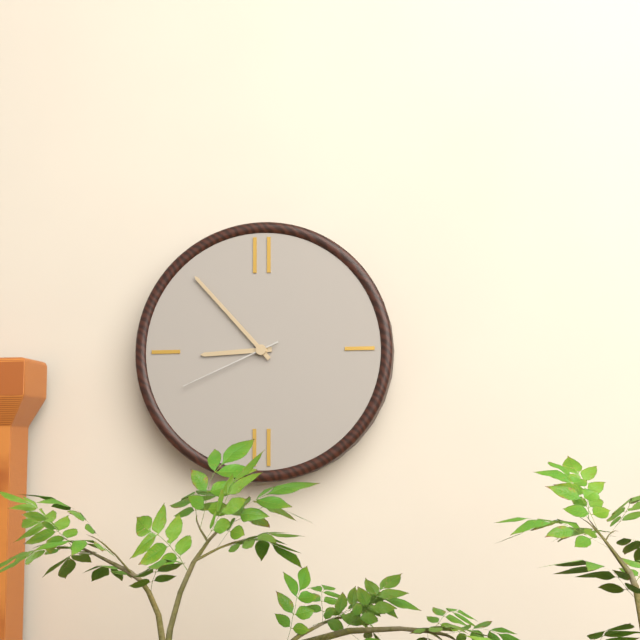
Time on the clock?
8:53:41
